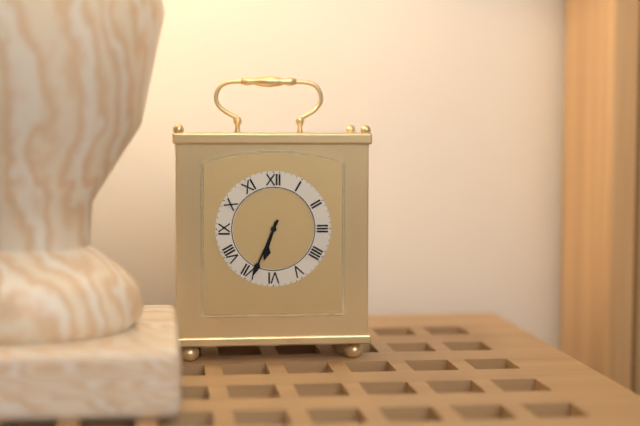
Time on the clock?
6:34
